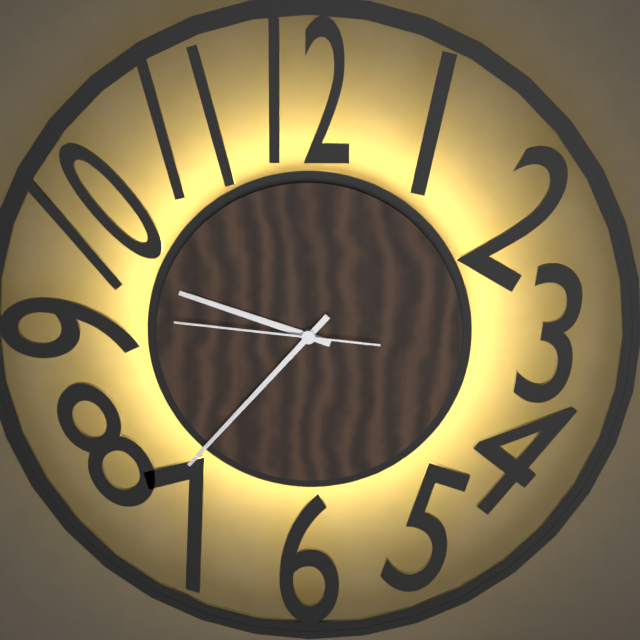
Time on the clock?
9:37:46
